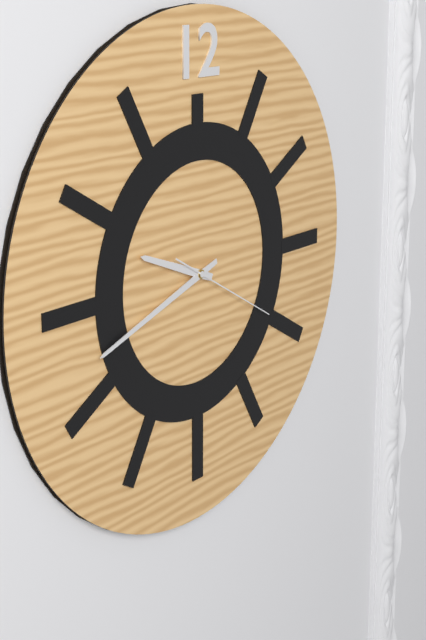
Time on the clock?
9:42:20
